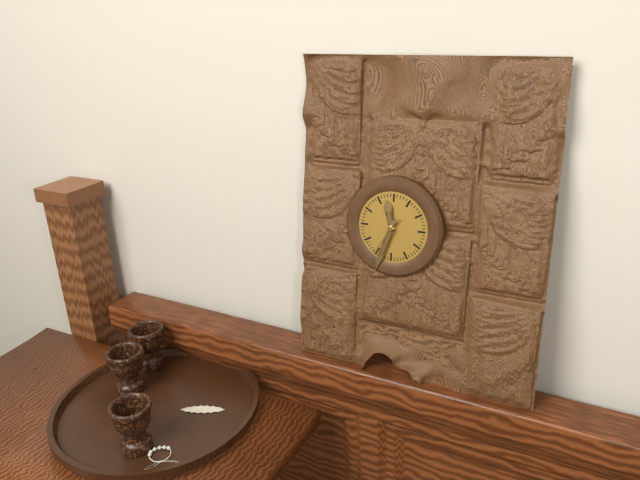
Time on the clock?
11:33:35
